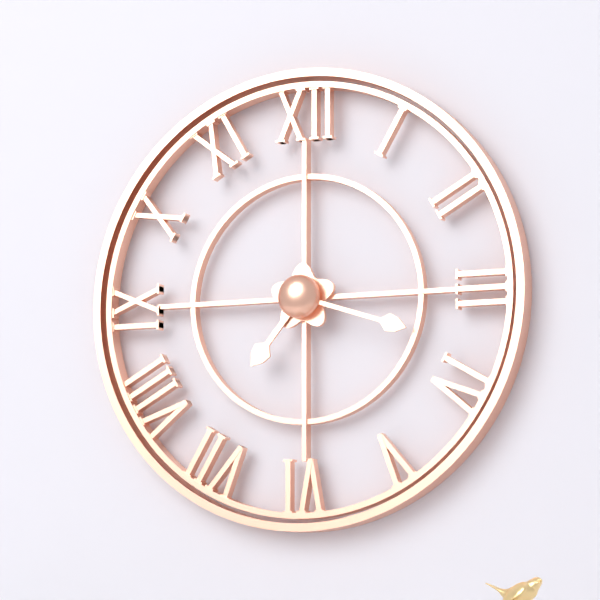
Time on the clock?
7:18
